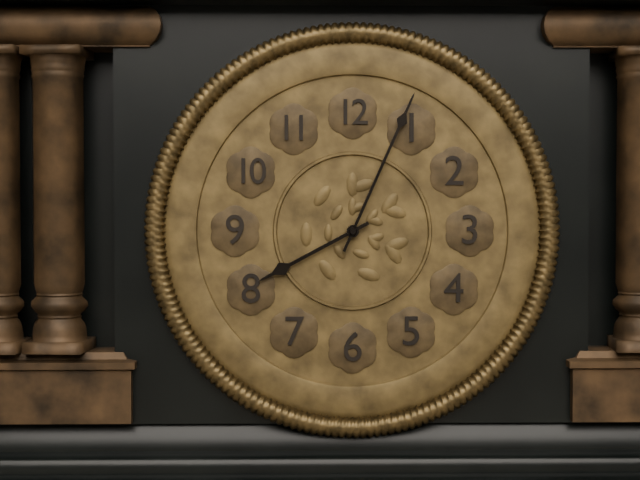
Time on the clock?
8:04
